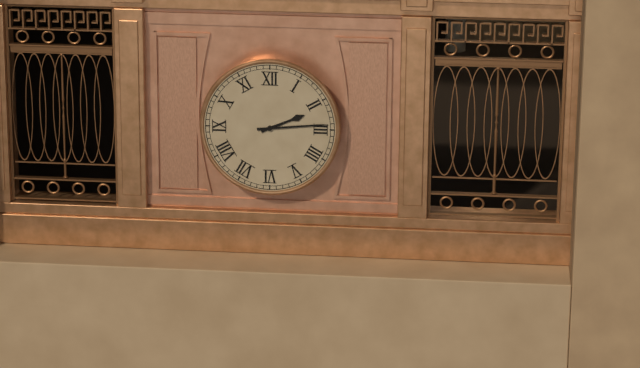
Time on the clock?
2:14
